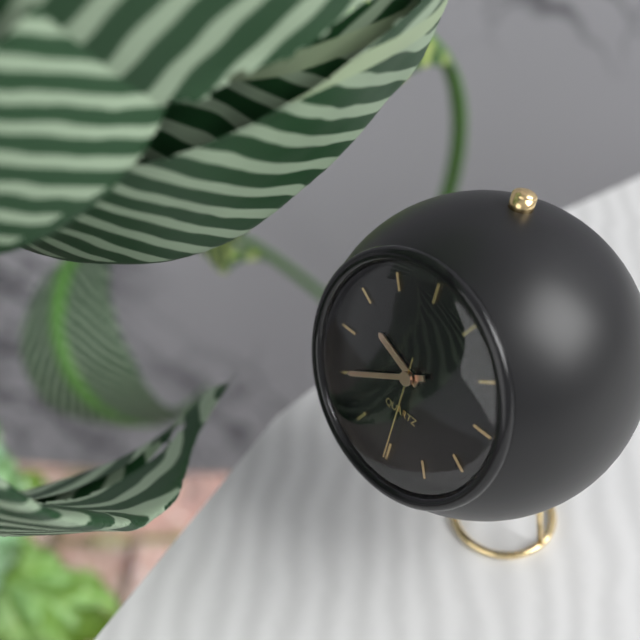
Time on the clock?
9:40:30
